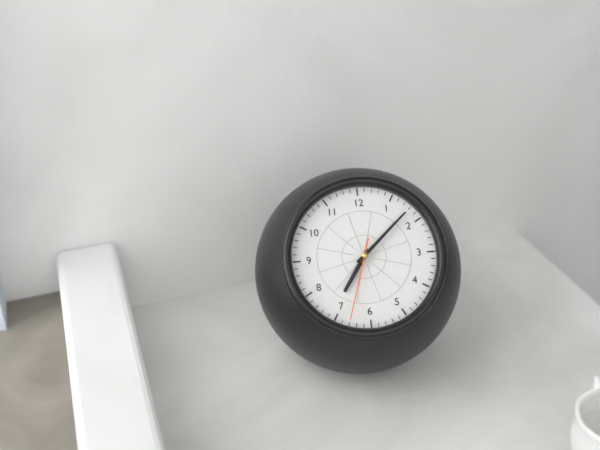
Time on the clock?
7:08:33
